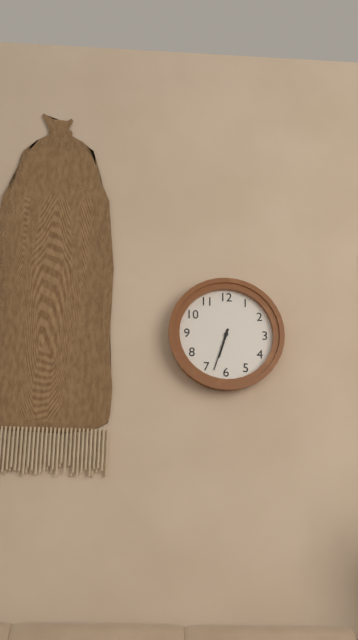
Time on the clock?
6:33
